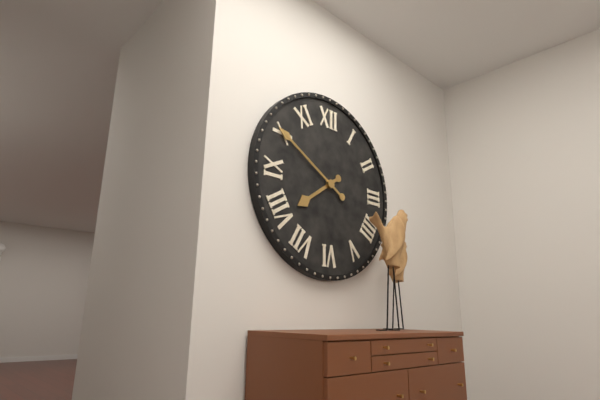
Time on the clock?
7:50
